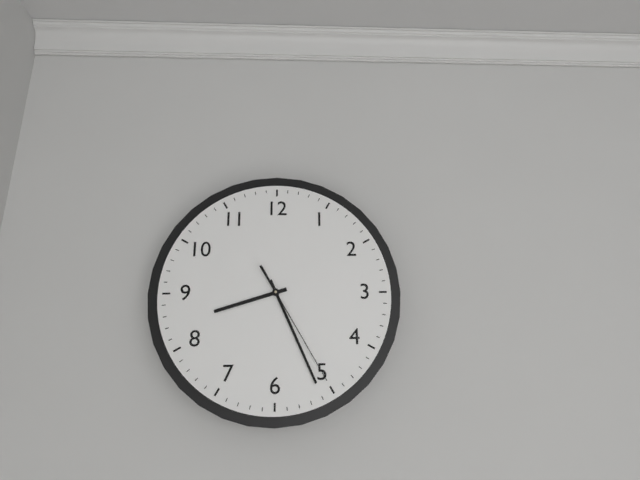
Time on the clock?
8:26:25
